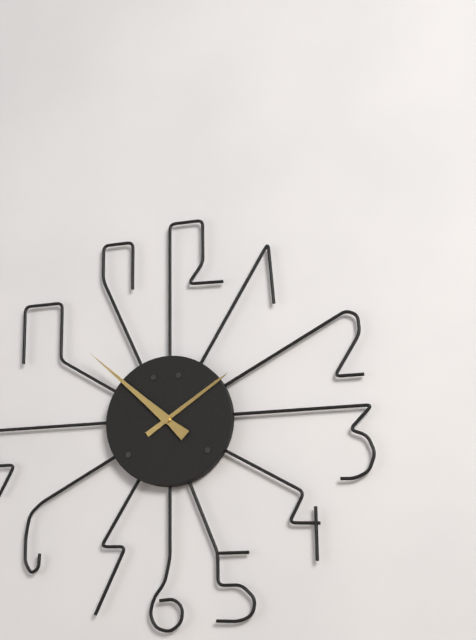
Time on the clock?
1:52
